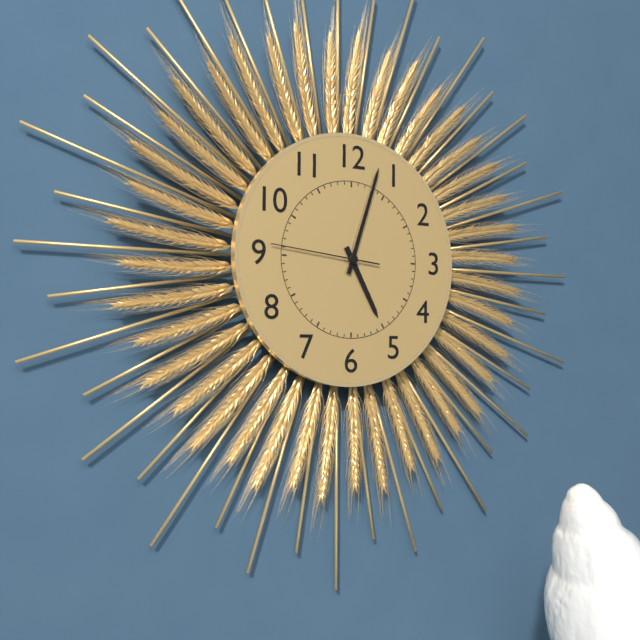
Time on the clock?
5:03:46
